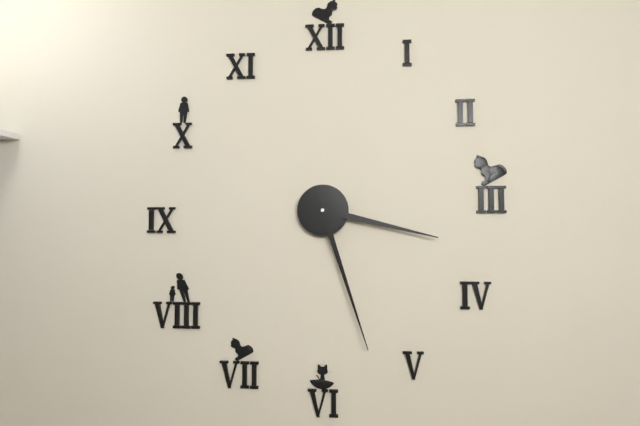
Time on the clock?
3:27
